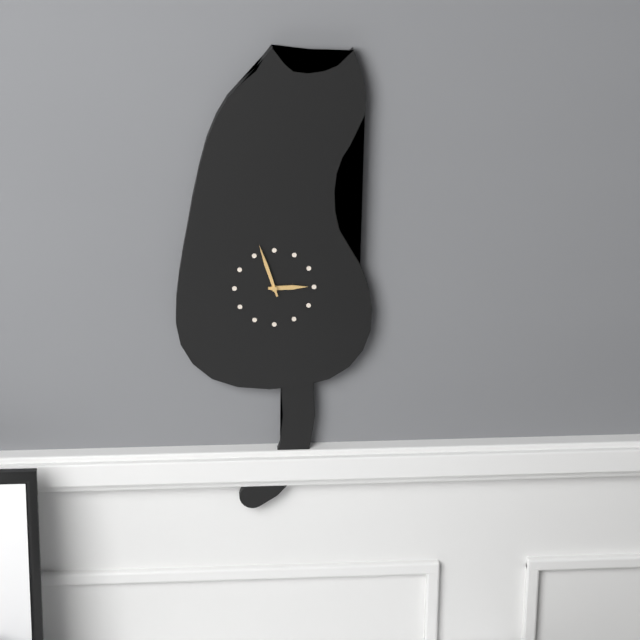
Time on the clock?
2:57
